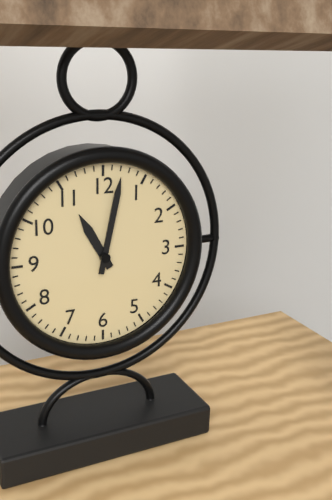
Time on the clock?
11:02
